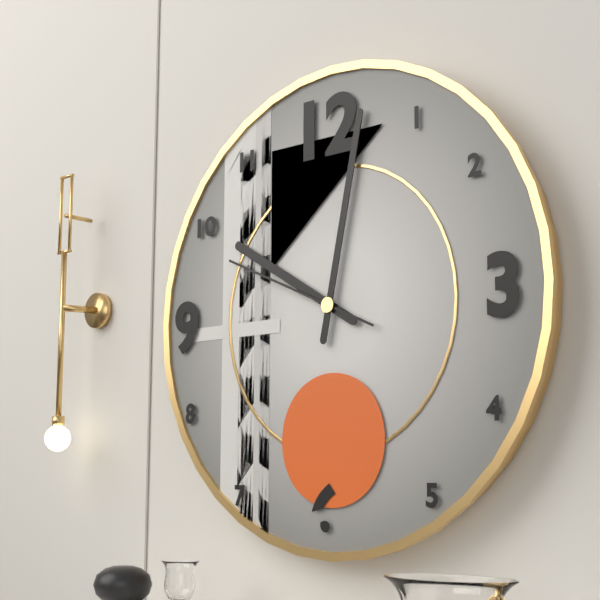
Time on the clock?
10:02:49
